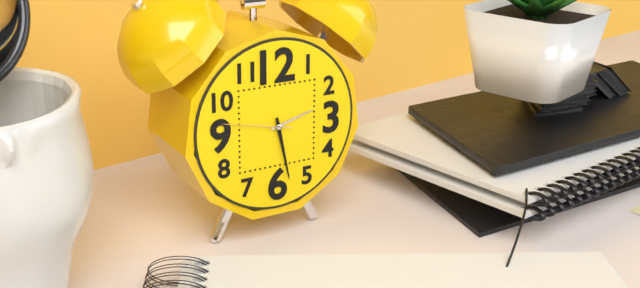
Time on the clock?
2:28:47
